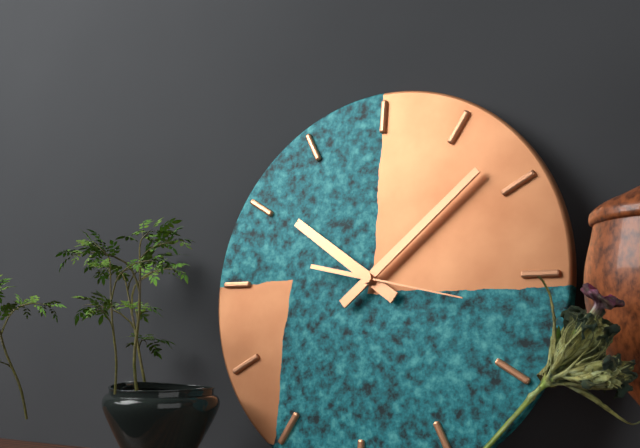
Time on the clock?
10:08:17
